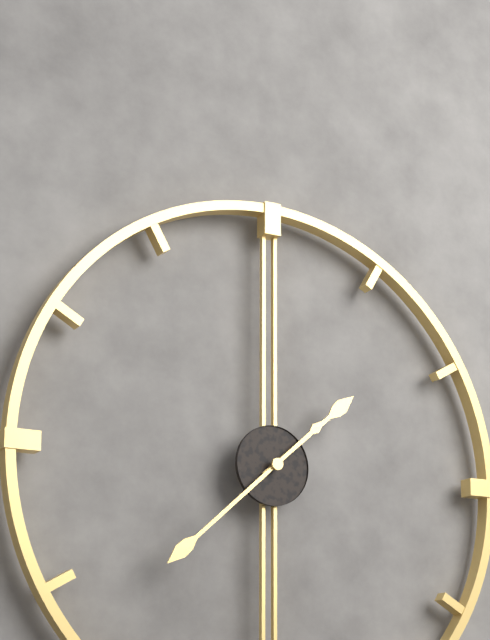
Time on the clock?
1:38
